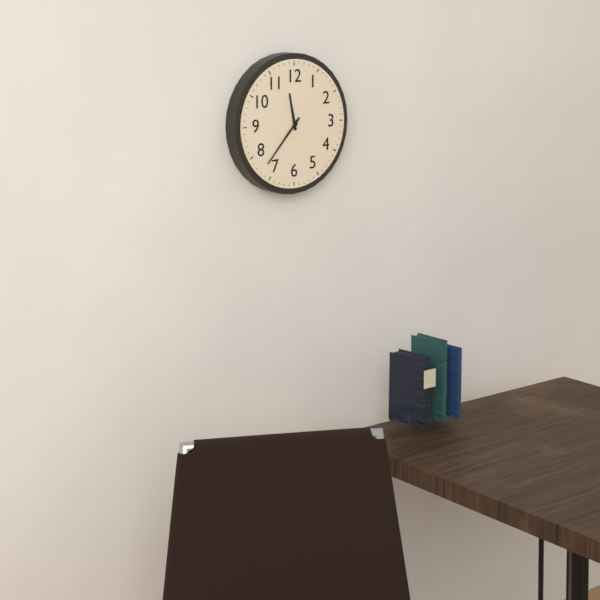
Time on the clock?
11:37
